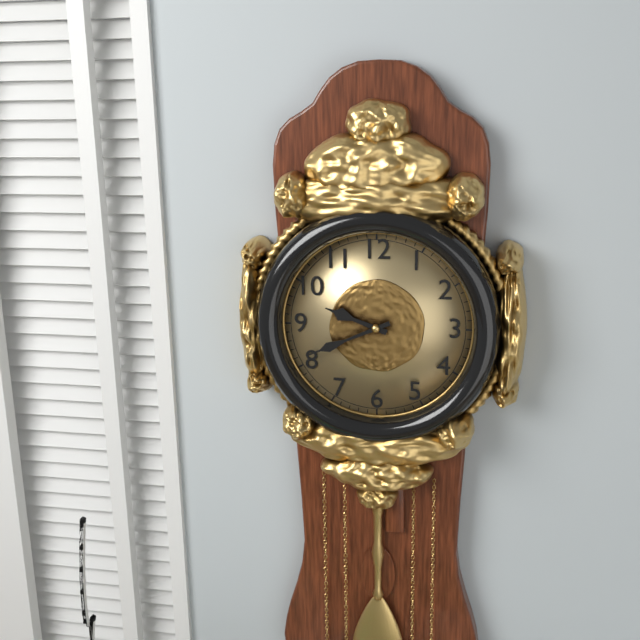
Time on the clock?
9:41
